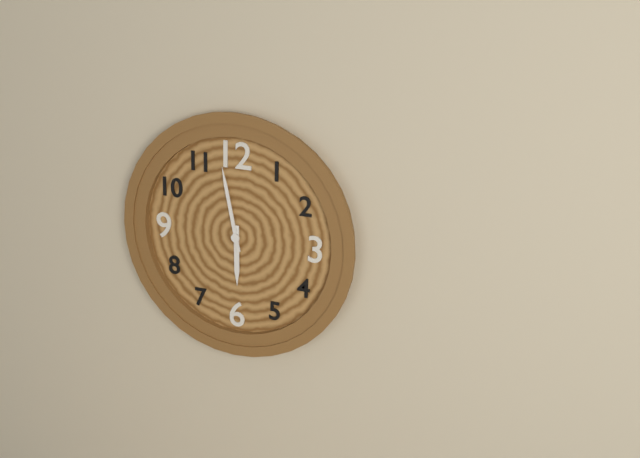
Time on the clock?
5:58
